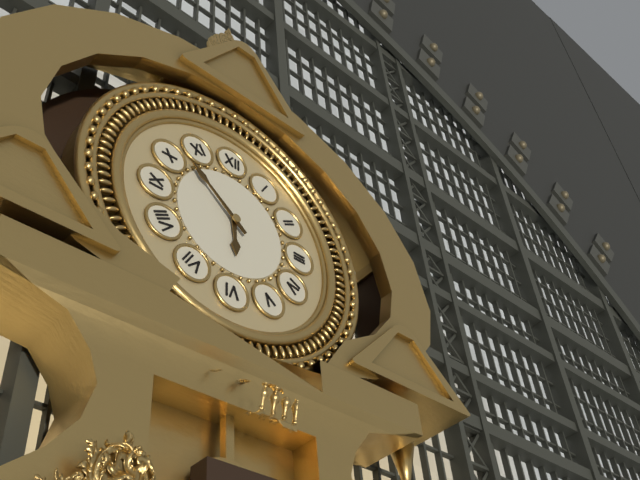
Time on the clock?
5:52
